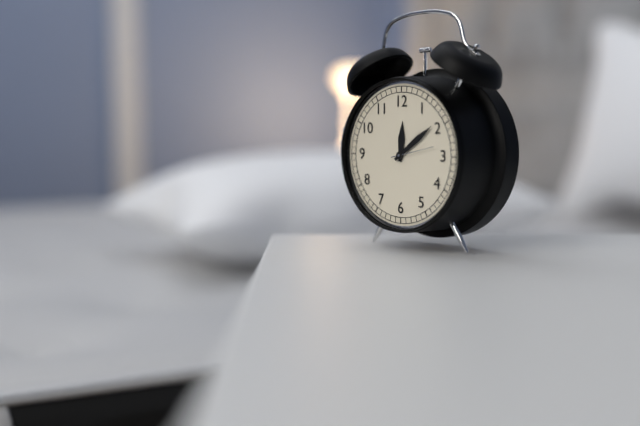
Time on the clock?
12:09
